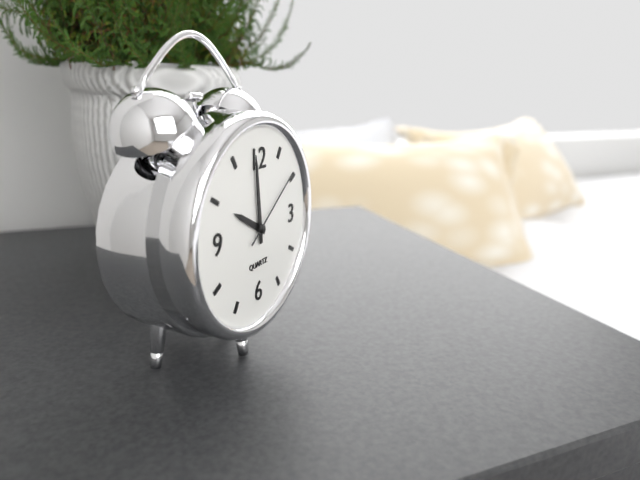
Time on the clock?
9:59:09
